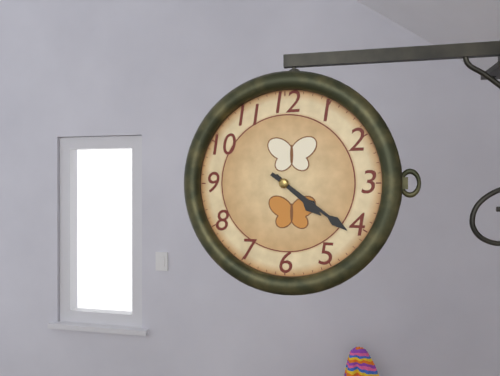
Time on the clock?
4:21
